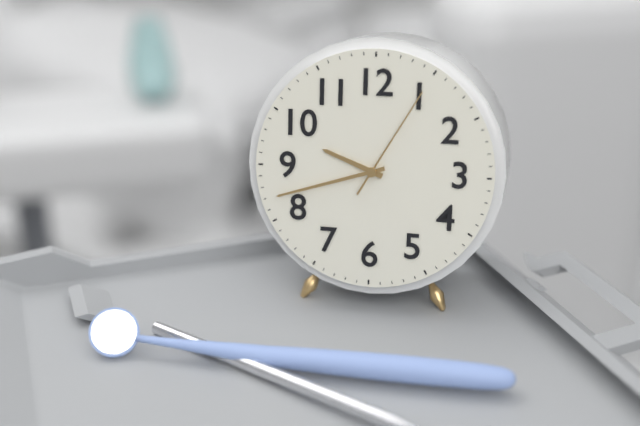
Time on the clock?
9:42:05
